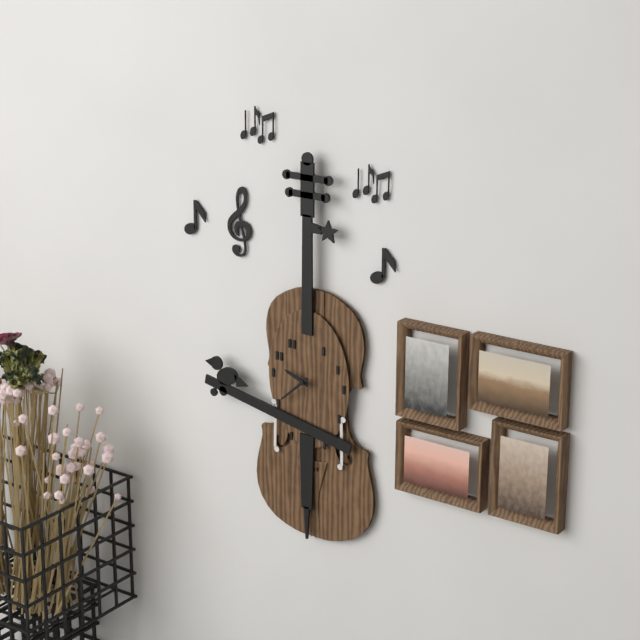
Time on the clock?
9:38
